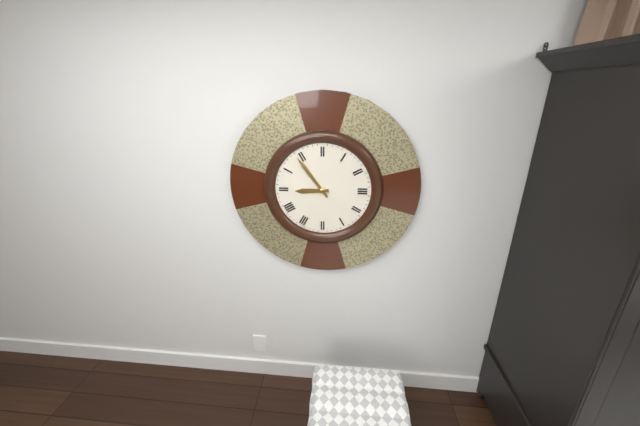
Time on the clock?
8:54
